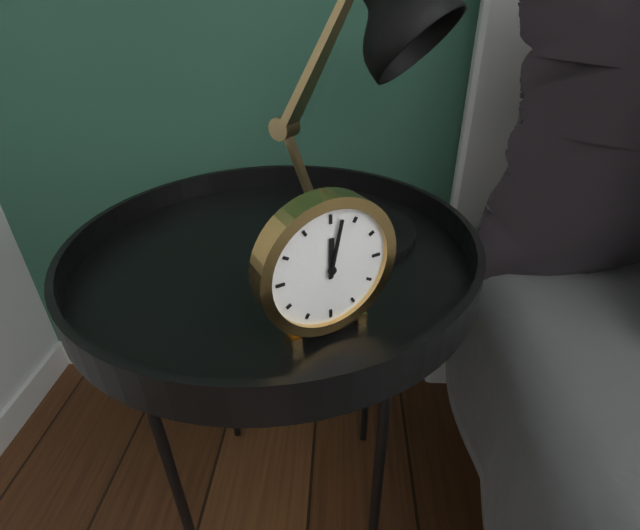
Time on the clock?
12:02
